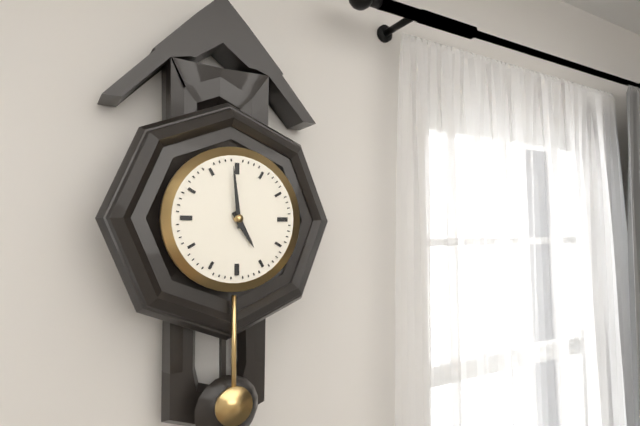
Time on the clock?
4:59
